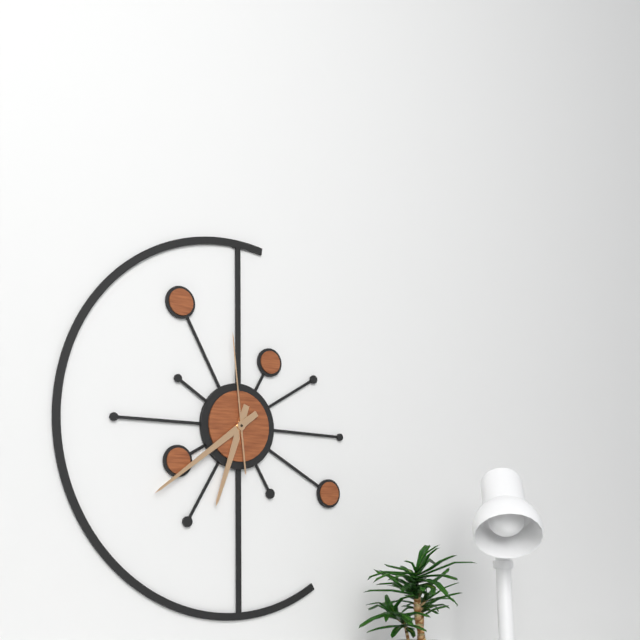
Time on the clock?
6:39:59
